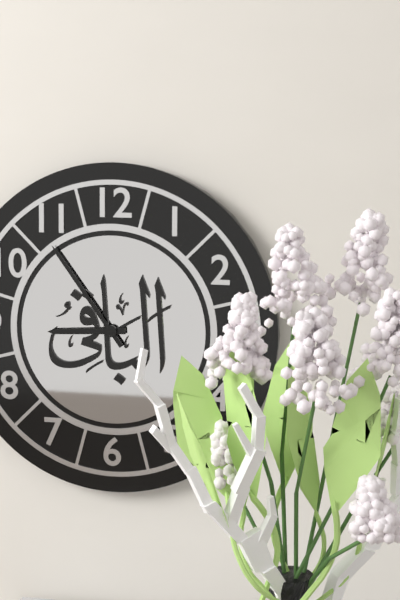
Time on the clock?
8:54
